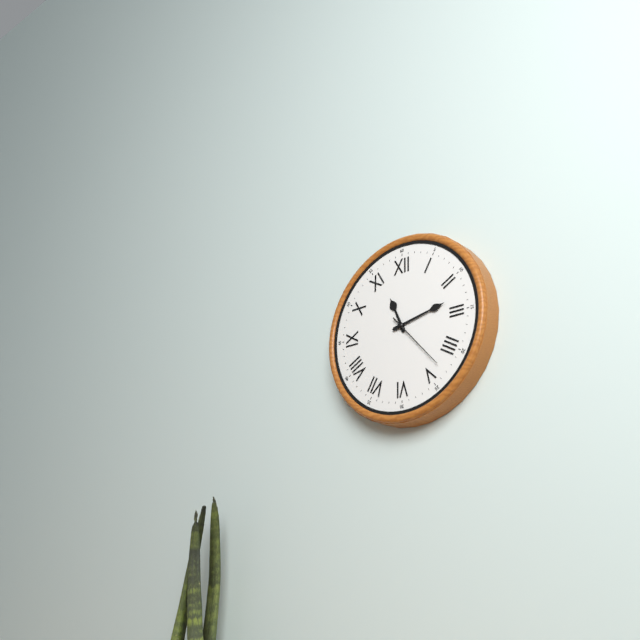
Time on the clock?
11:13:23
